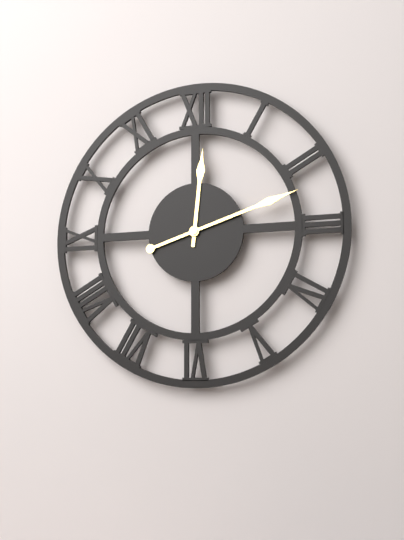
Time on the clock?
12:12
